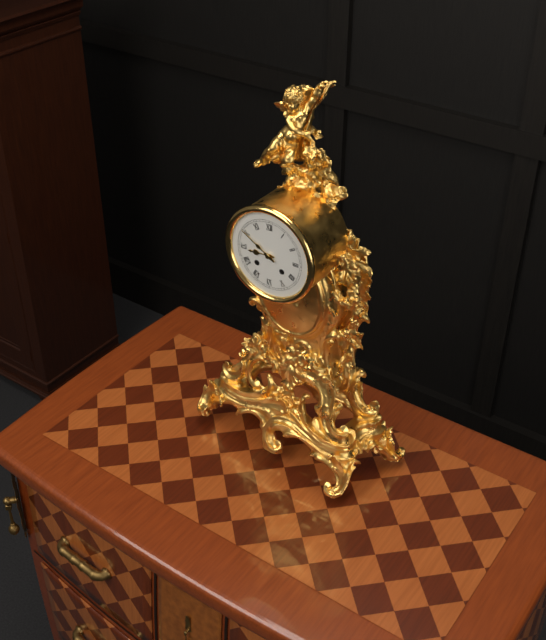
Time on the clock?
8:50
